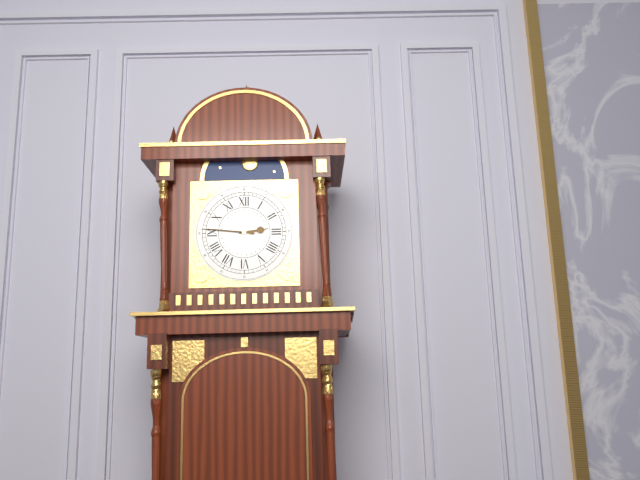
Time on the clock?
2:46
